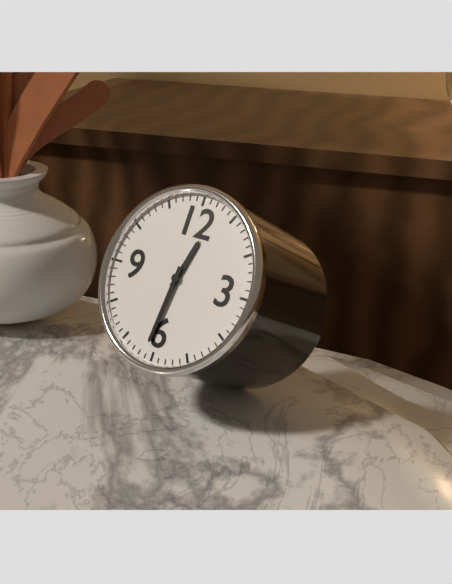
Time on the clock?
12:31
